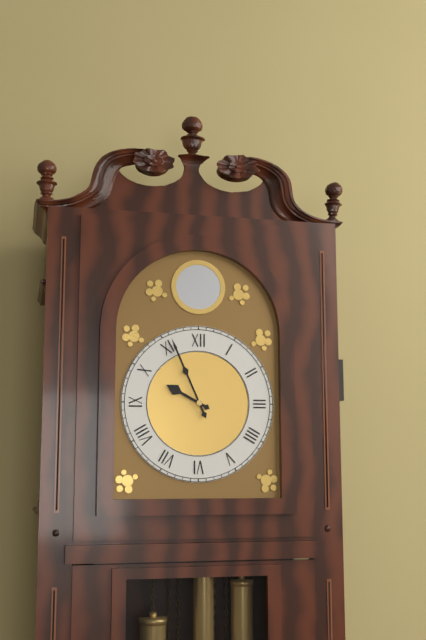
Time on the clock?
9:56
